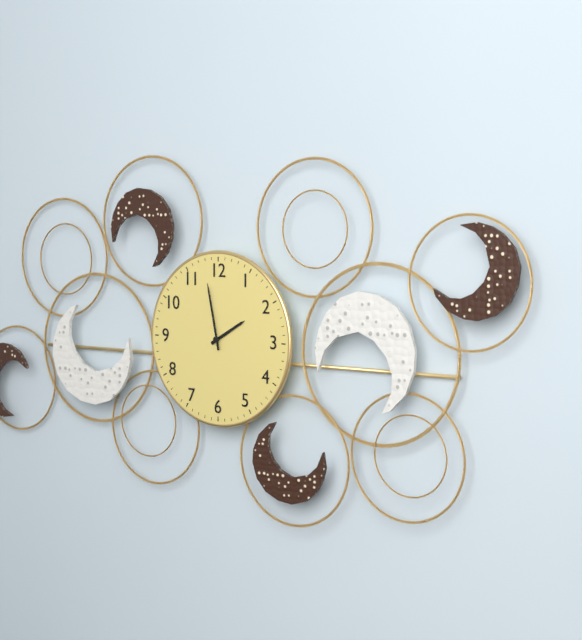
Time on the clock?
1:58
